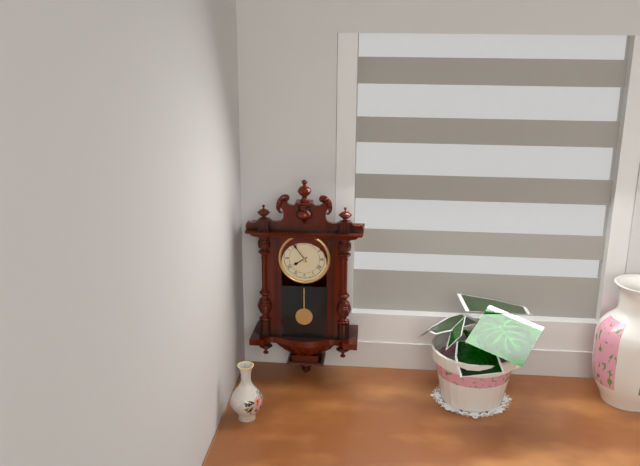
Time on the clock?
7:54
